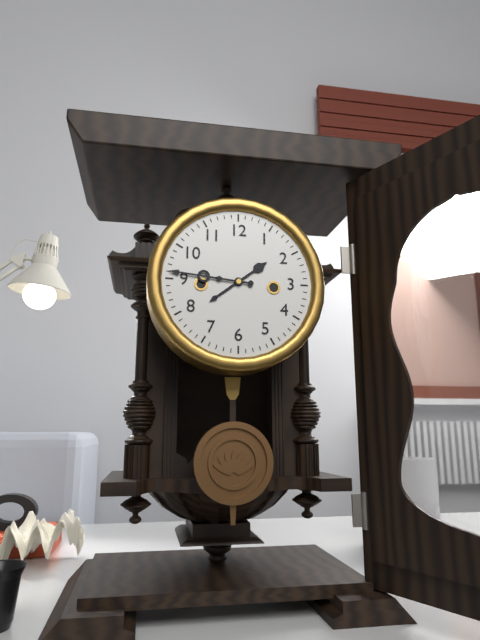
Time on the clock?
1:46
